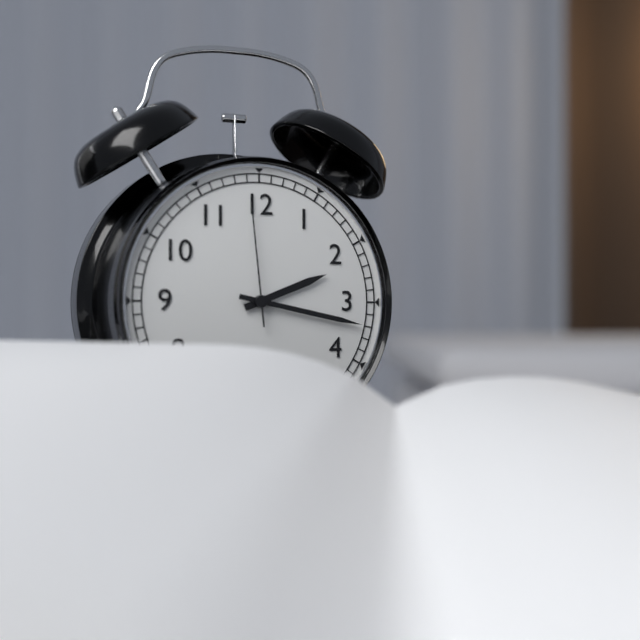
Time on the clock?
2:17:59
